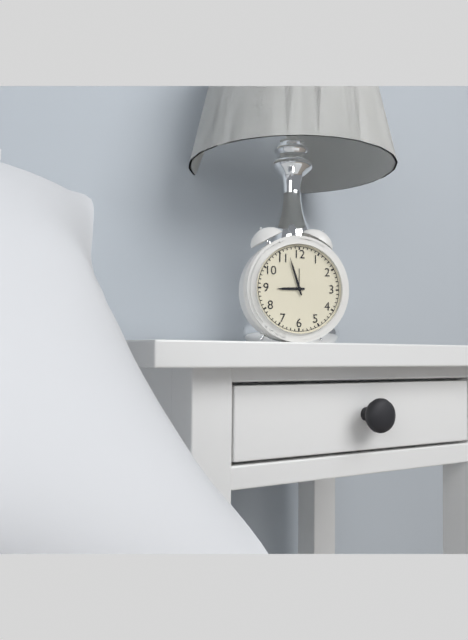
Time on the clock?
8:57
